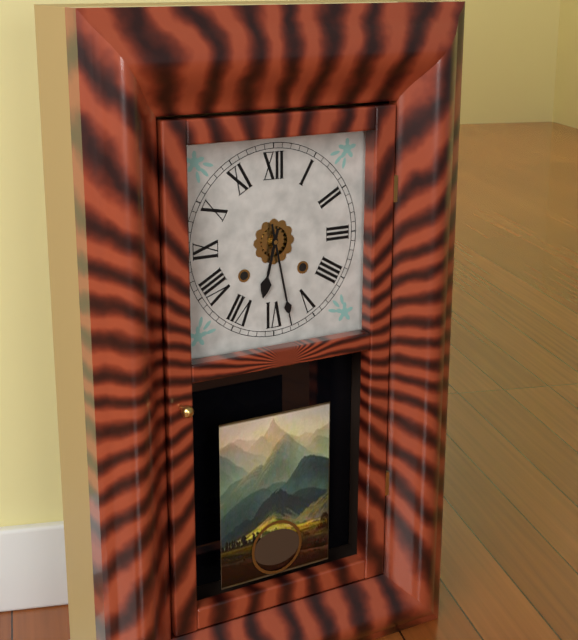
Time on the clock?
6:28
